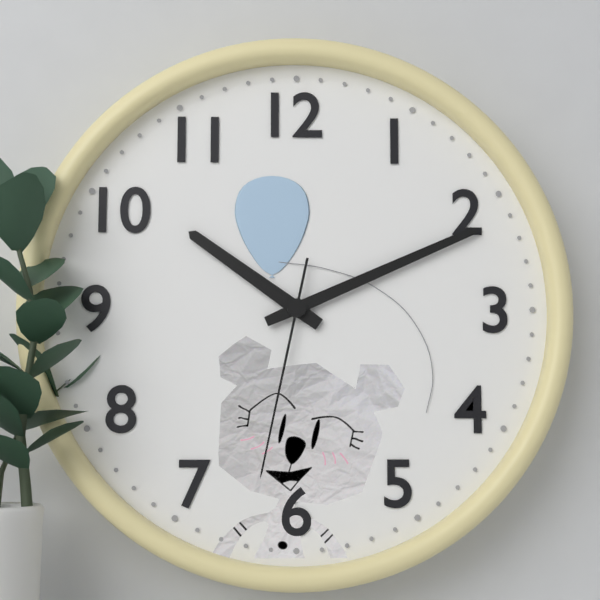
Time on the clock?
10:11:32
